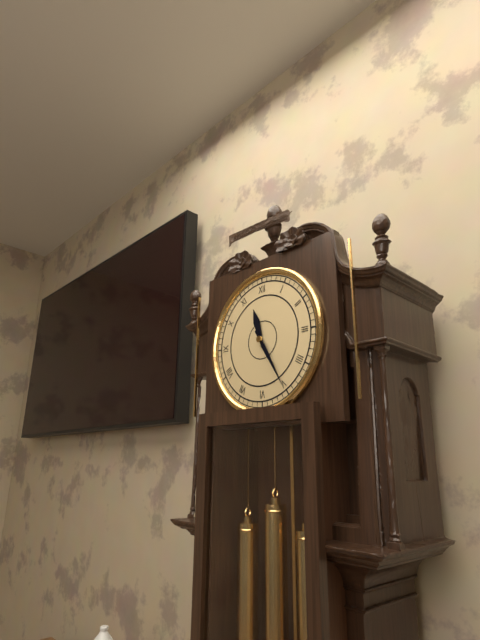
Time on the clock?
11:25
